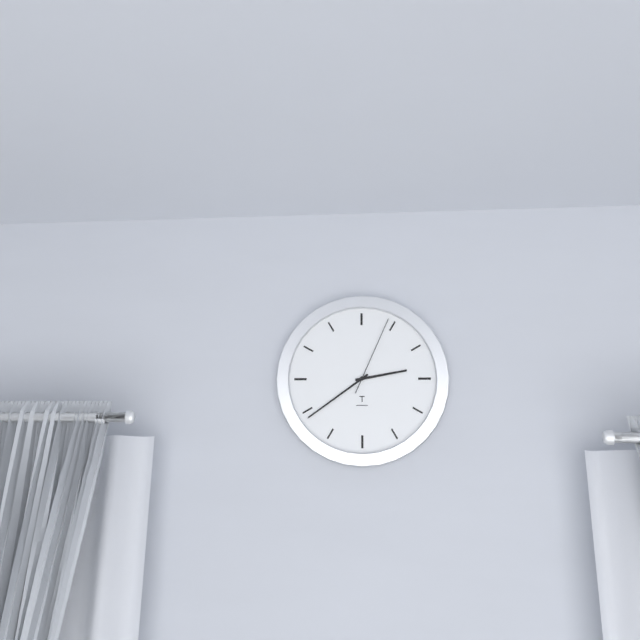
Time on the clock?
2:39:04
